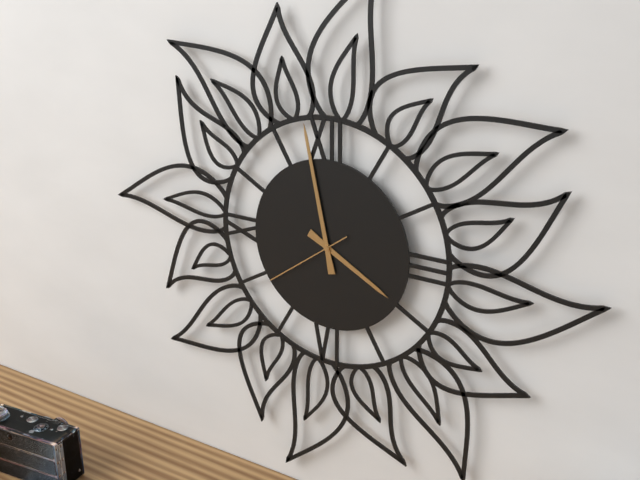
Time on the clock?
3:58:39
